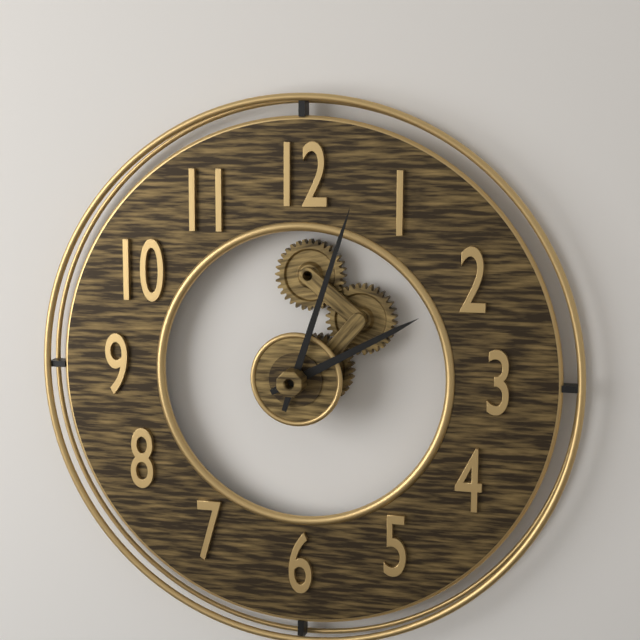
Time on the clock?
2:03
